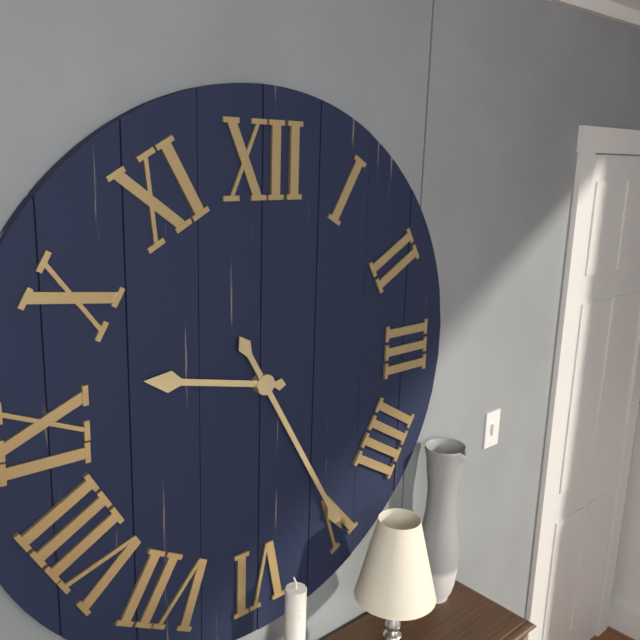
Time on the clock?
9:25
